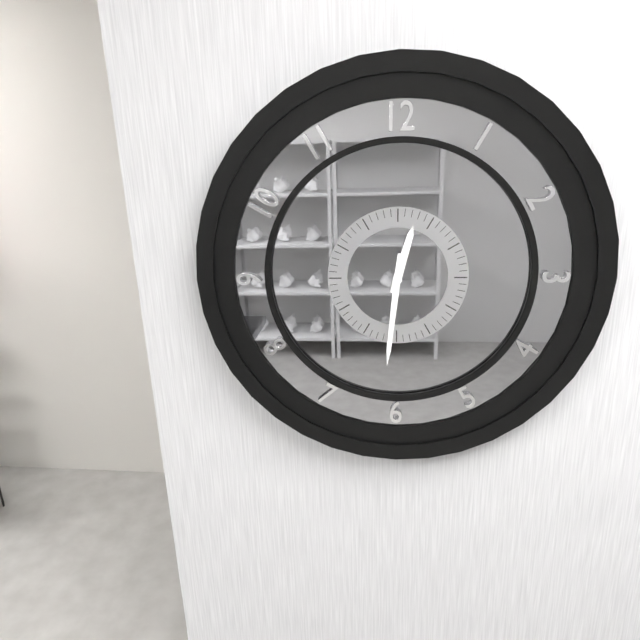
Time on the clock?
12:31
